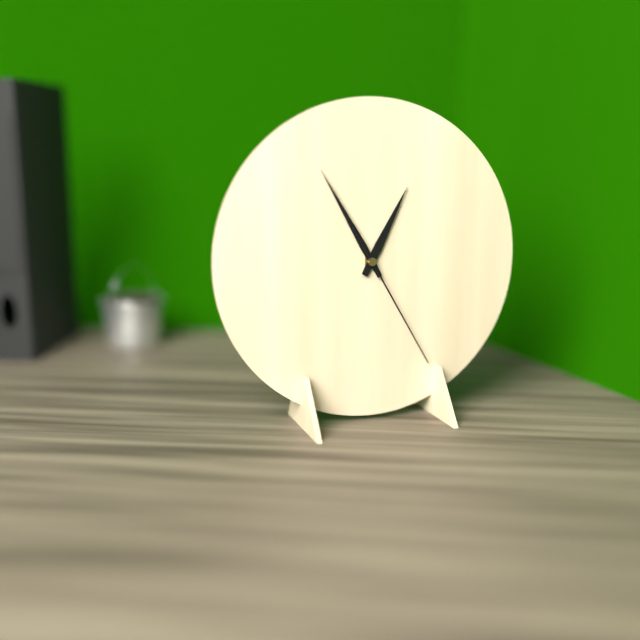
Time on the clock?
12:55:25
